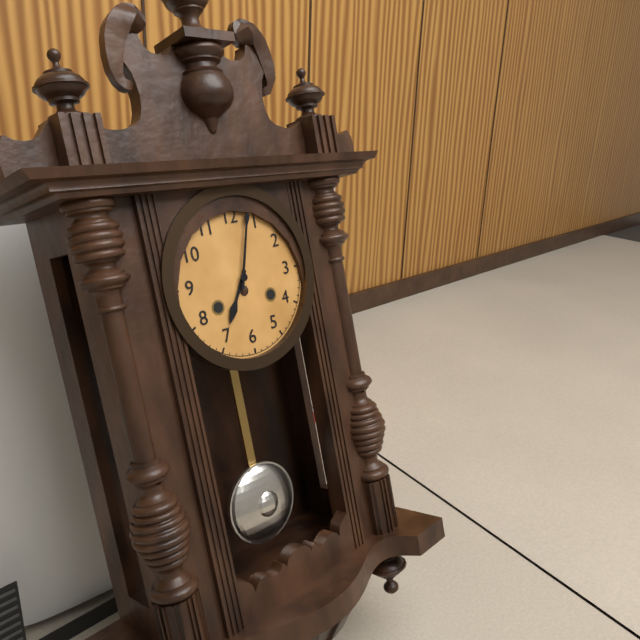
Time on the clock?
7:03
